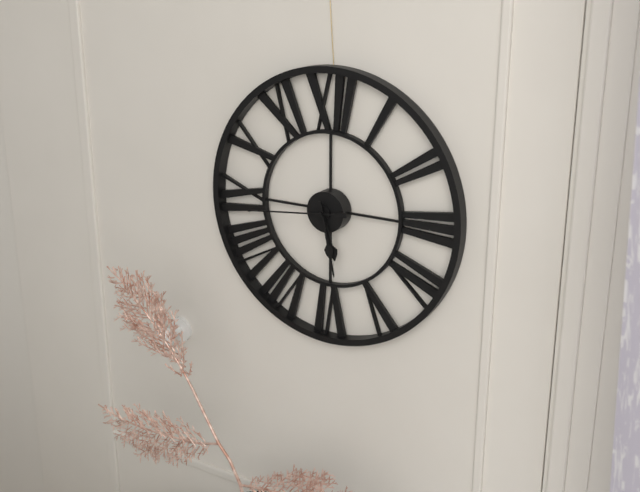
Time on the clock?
5:28:44
